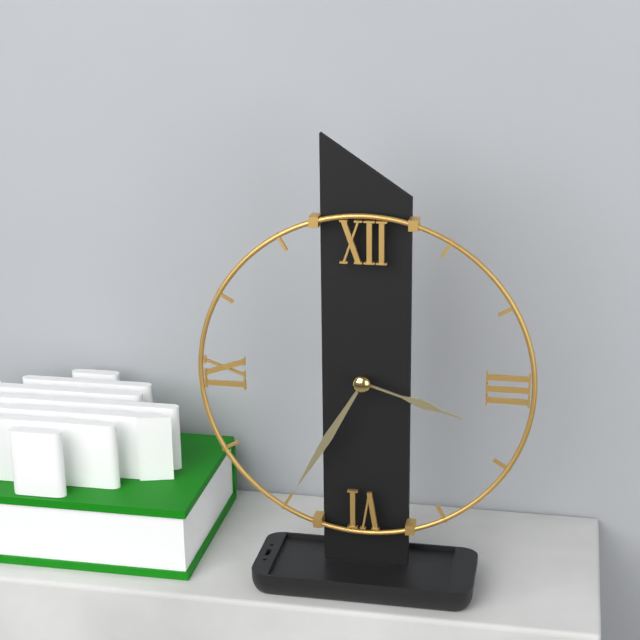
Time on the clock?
3:35
